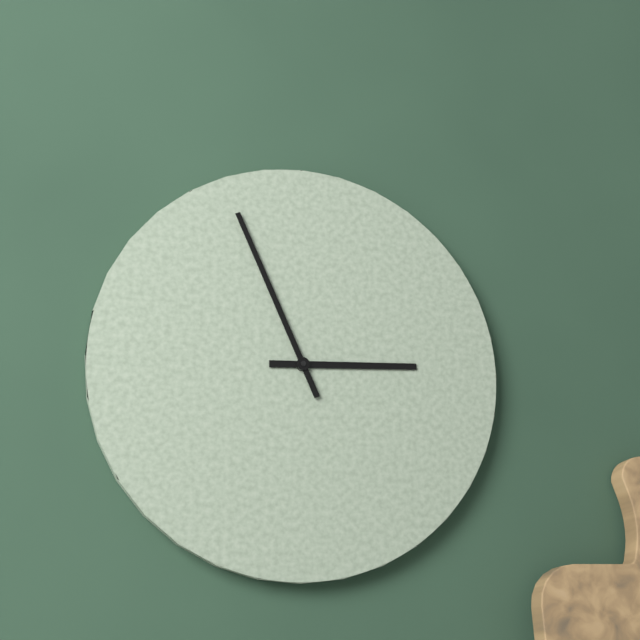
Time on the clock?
2:56
